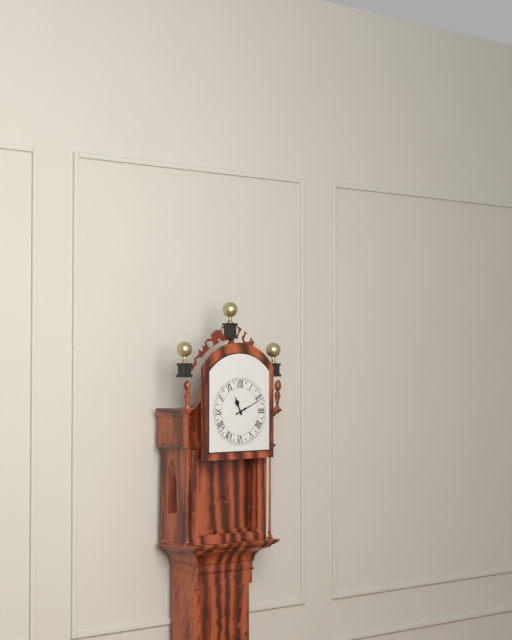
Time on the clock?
11:11
